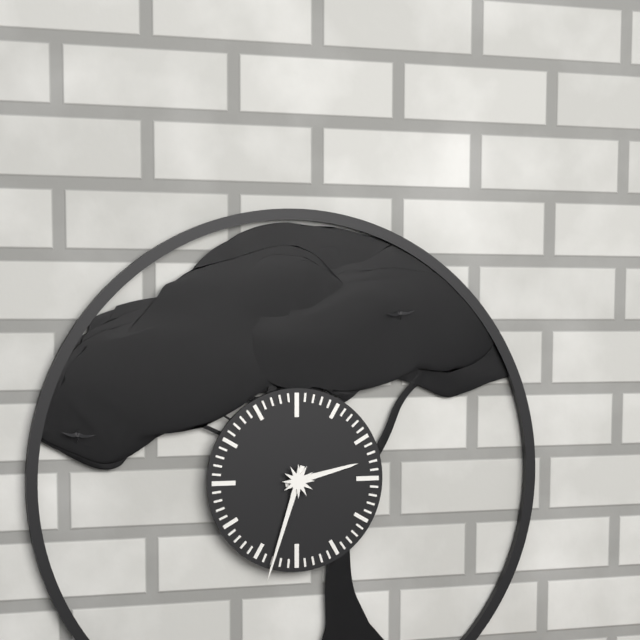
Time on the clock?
2:33
